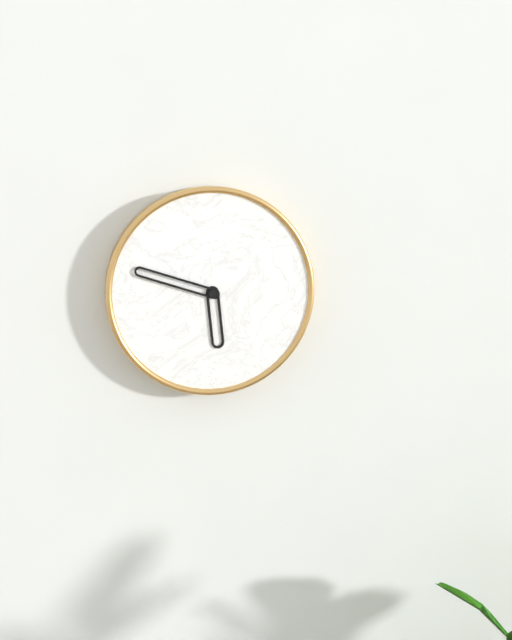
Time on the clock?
5:48
